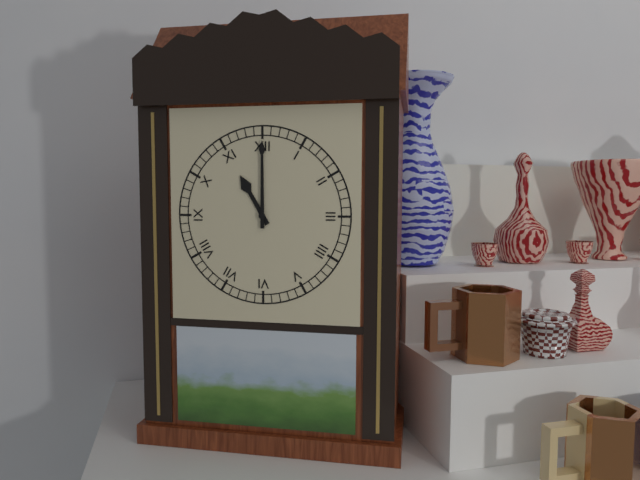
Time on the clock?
11:00
